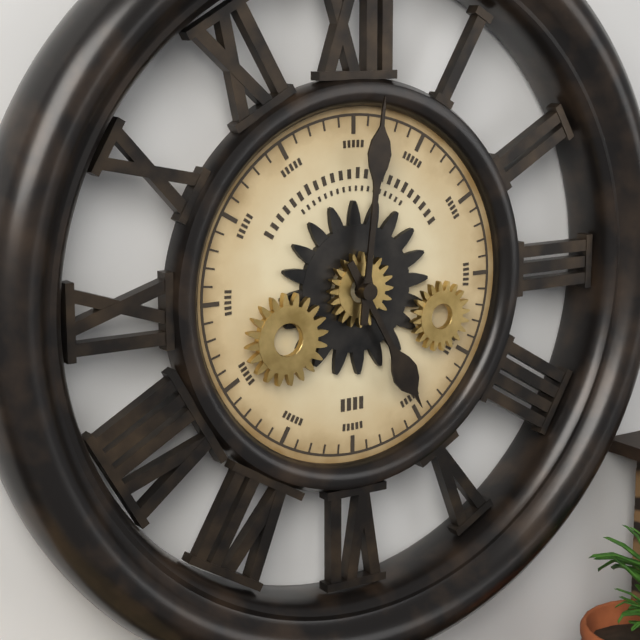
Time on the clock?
5:01
